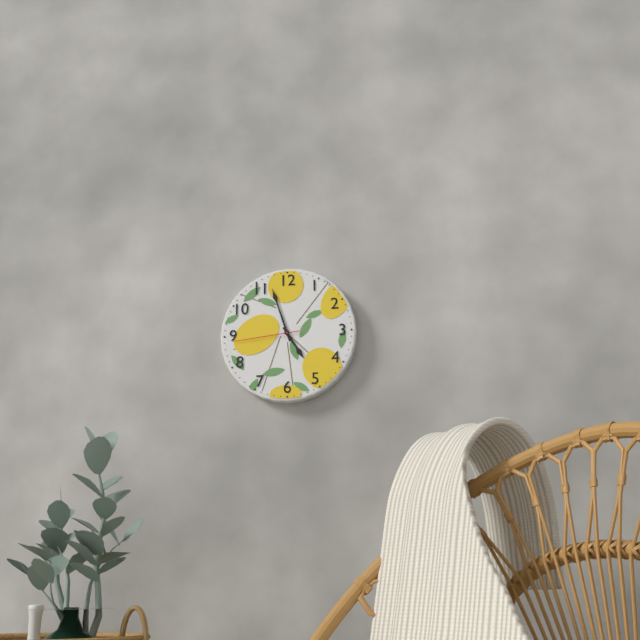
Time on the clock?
4:57:44
